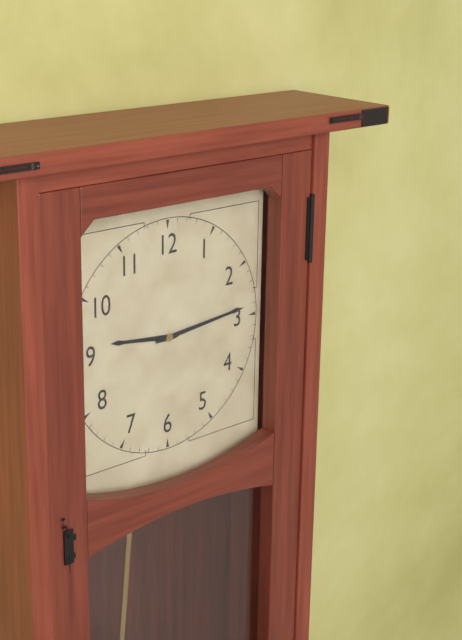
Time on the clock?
9:14
